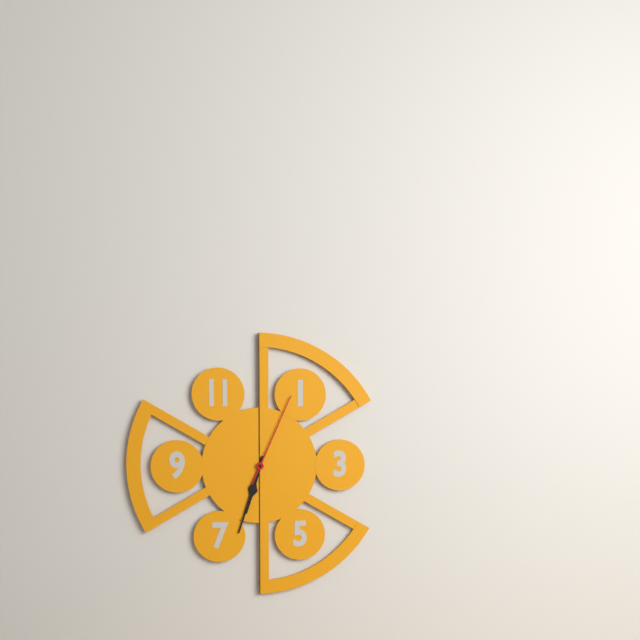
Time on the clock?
6:33:04
